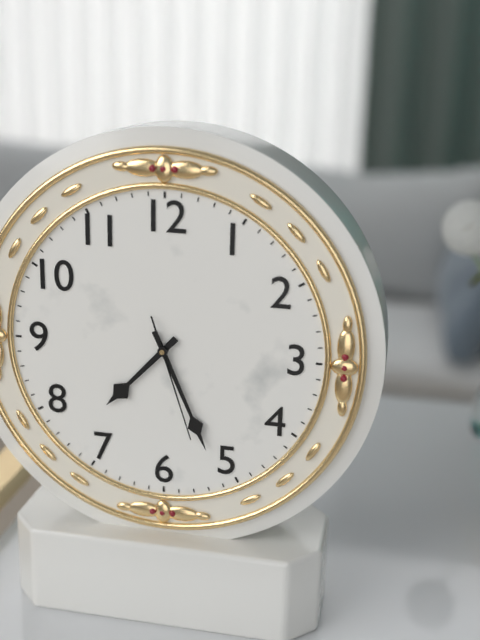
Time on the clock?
7:26:27
